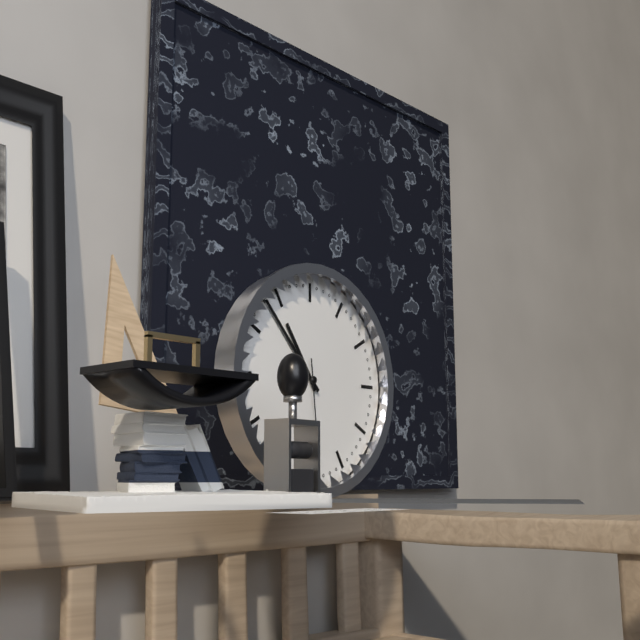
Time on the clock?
10:53
